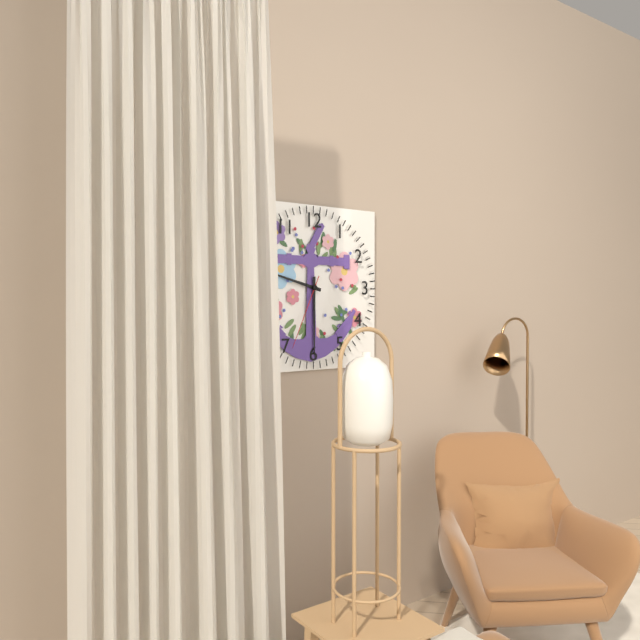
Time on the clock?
9:30:34
